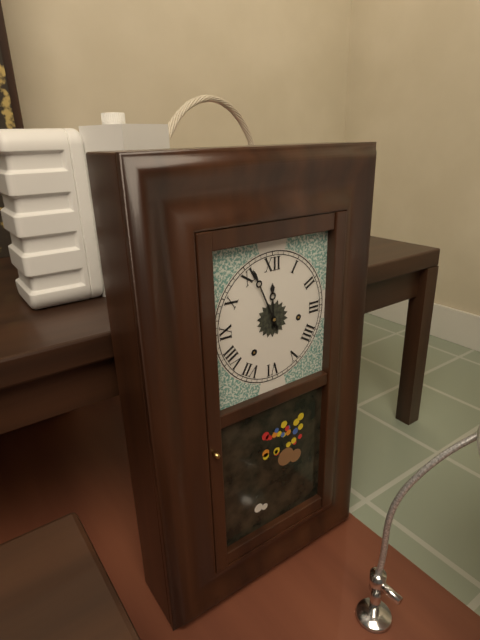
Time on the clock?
11:56
